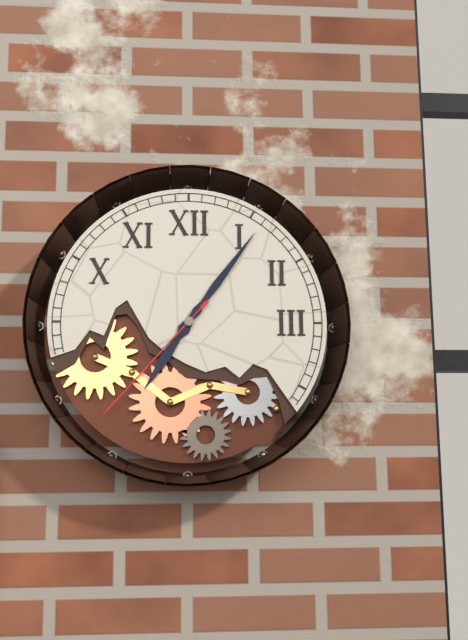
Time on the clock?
7:06:37
